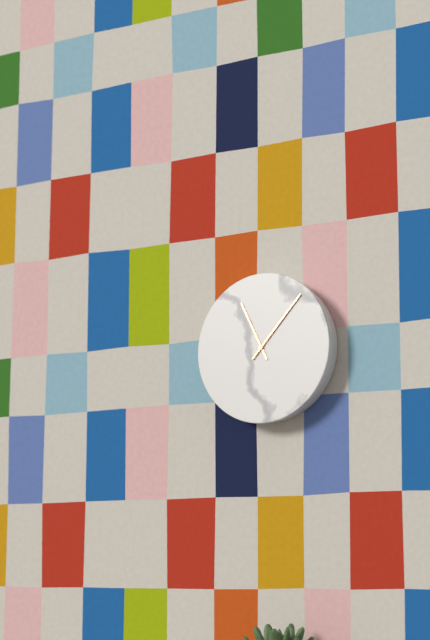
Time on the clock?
11:07
